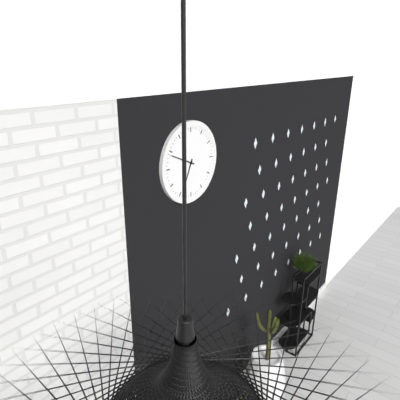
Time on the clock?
6:49
